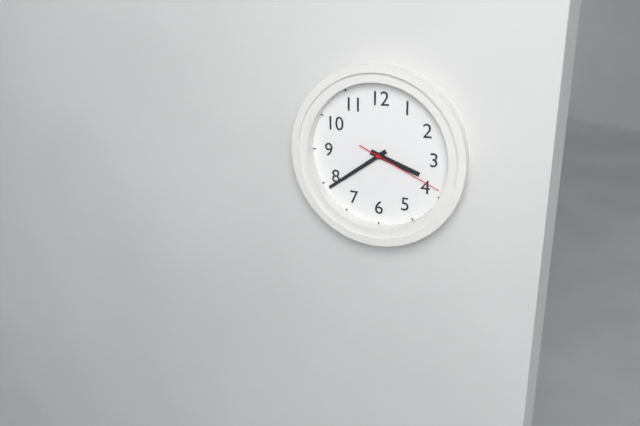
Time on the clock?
3:39:19
